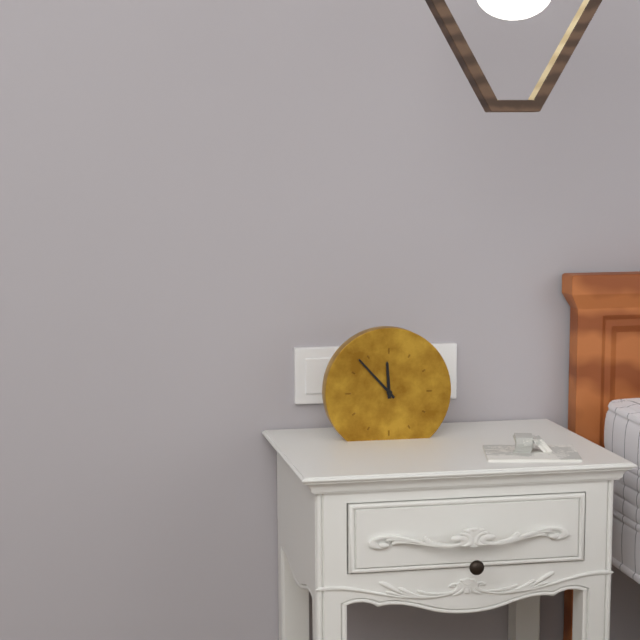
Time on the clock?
11:53
